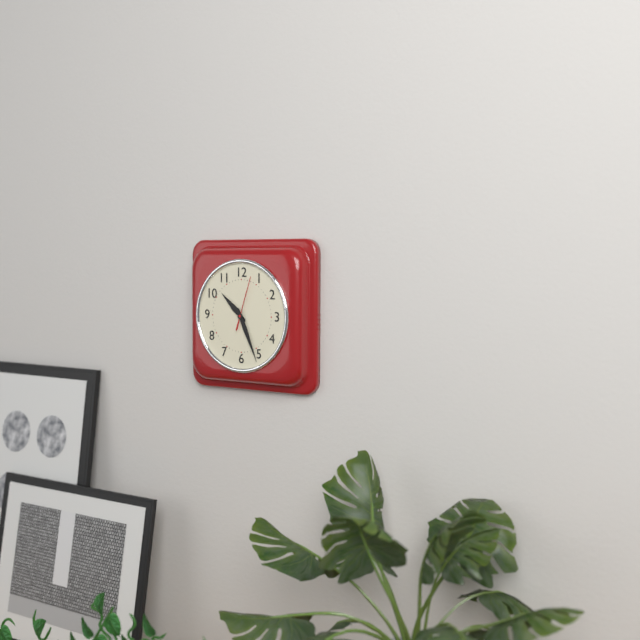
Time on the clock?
10:26:03
